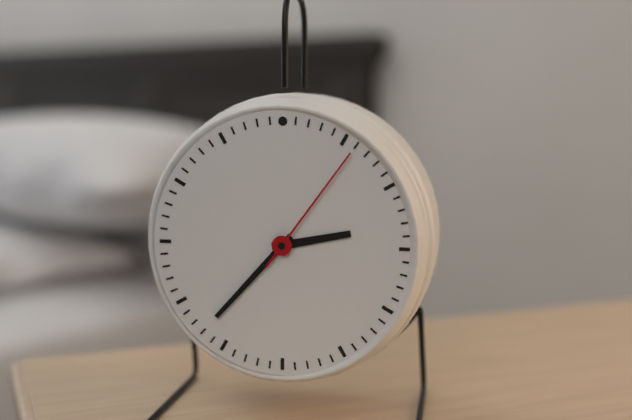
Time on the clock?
2:37:06
